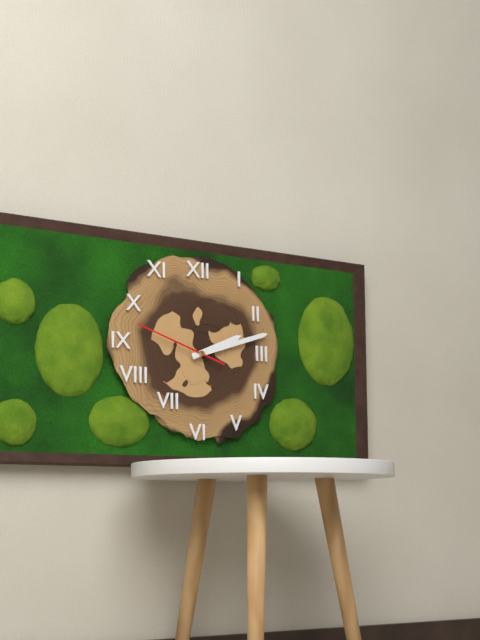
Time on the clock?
2:12:48
